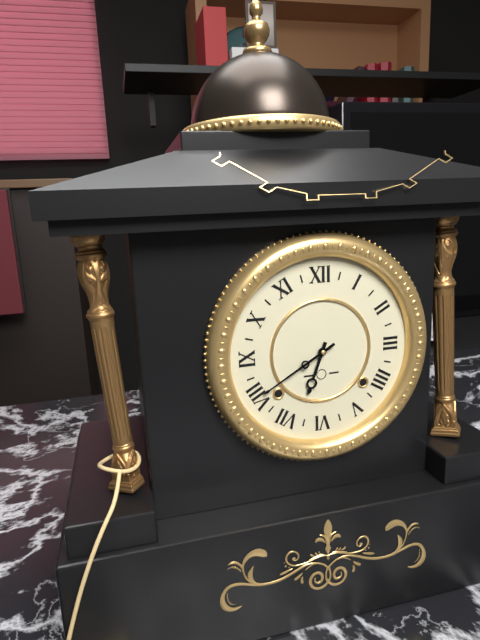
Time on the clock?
6:40
